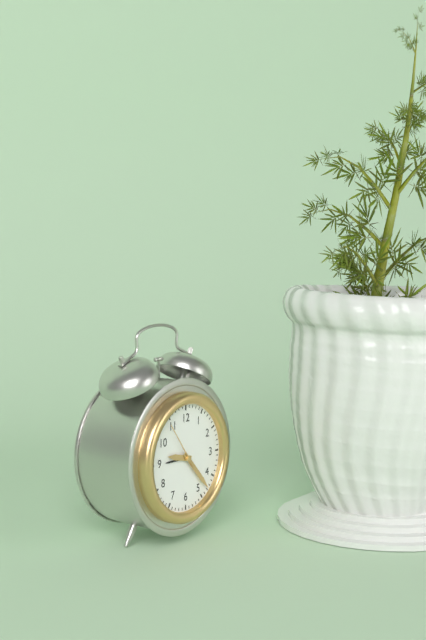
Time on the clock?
9:23
